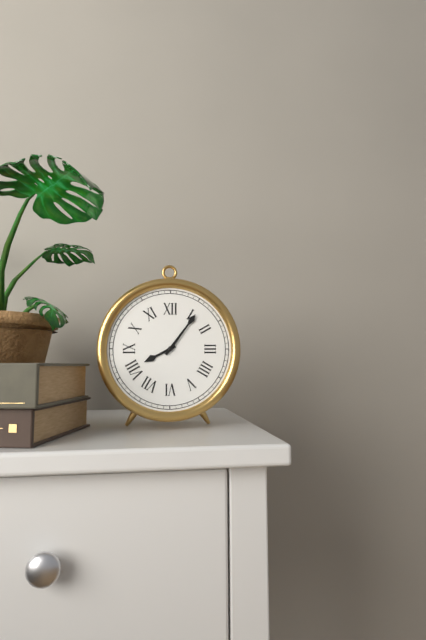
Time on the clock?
8:06
